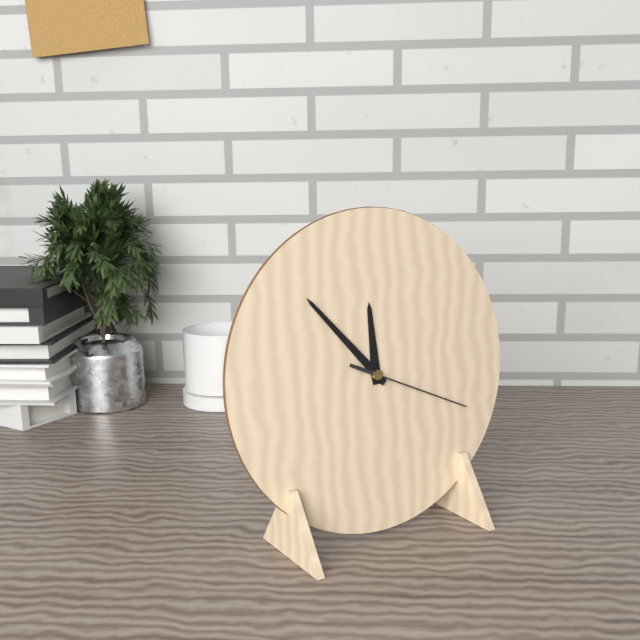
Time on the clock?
11:53:19
